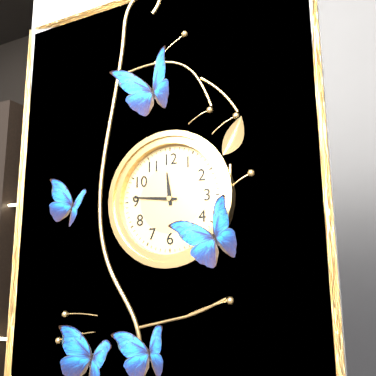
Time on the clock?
11:46
